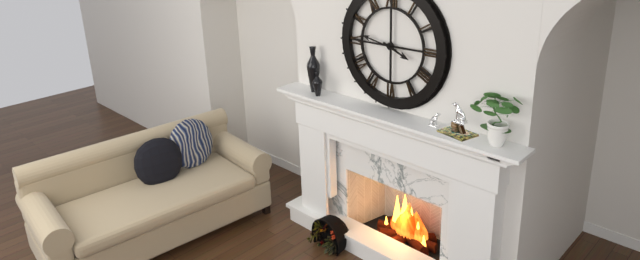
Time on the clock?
3:47
